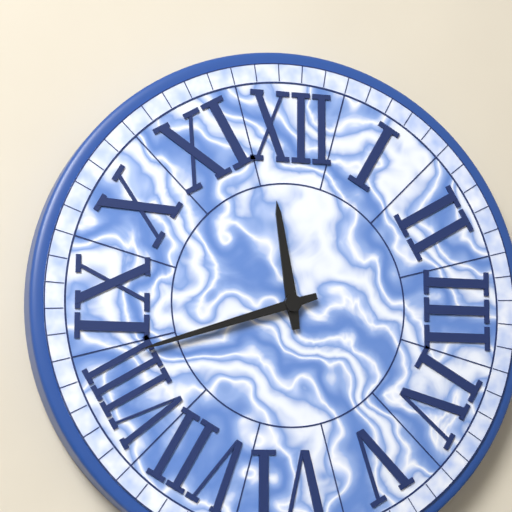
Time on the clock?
11:42
